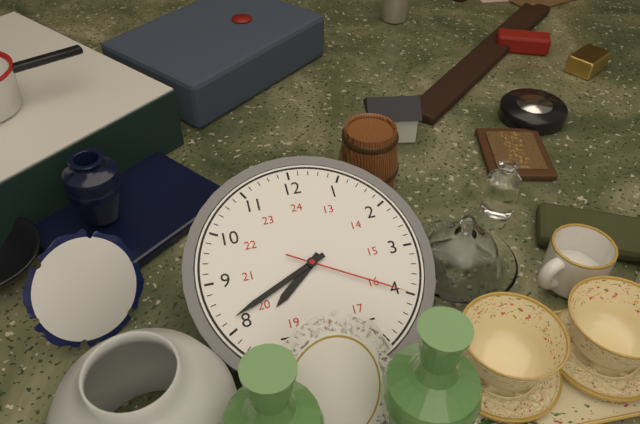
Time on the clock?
7:41:20
